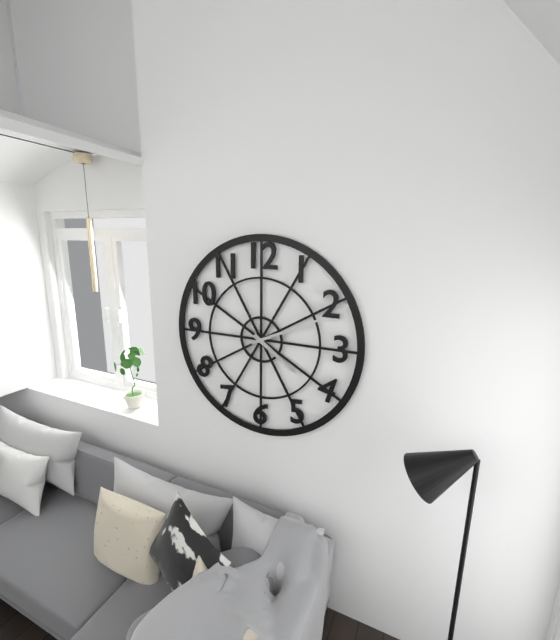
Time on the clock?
4:11
